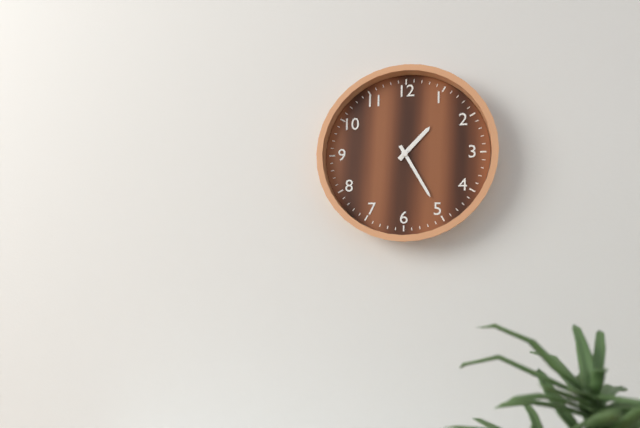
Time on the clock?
1:25
